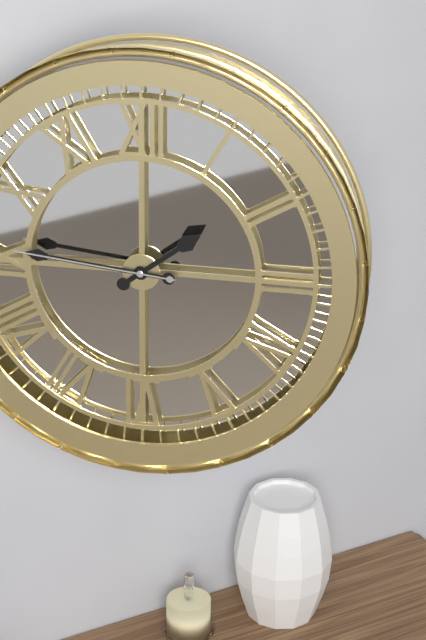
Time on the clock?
1:46:46
